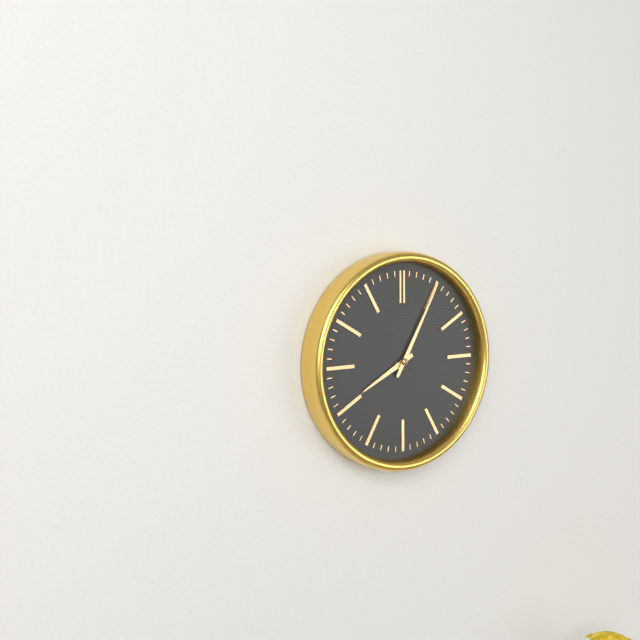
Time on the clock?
8:05
